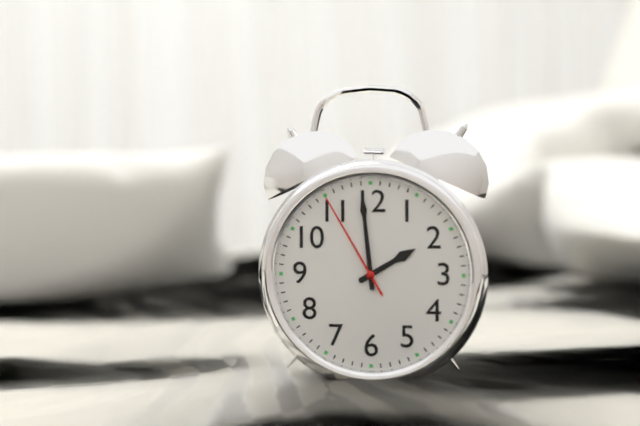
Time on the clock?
1:59:55
